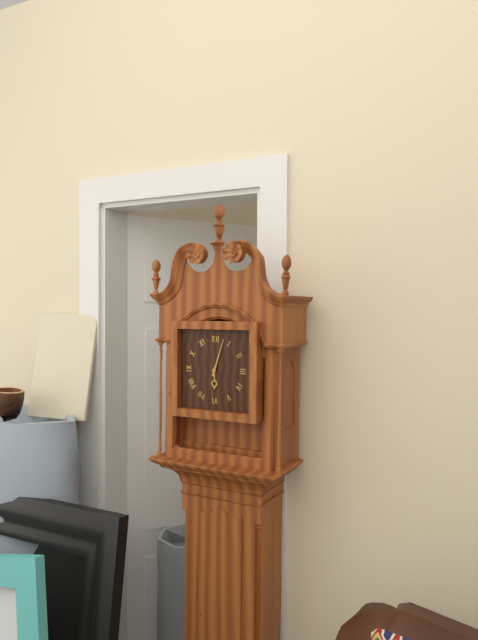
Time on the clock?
6:03
